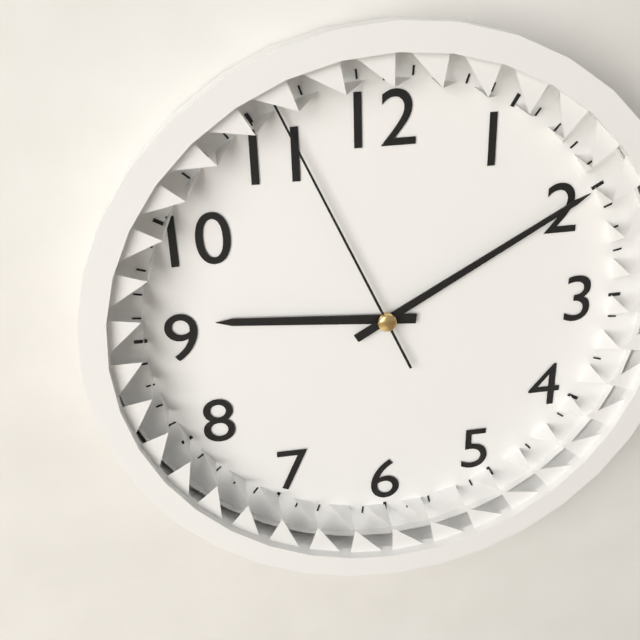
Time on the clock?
9:10:56
